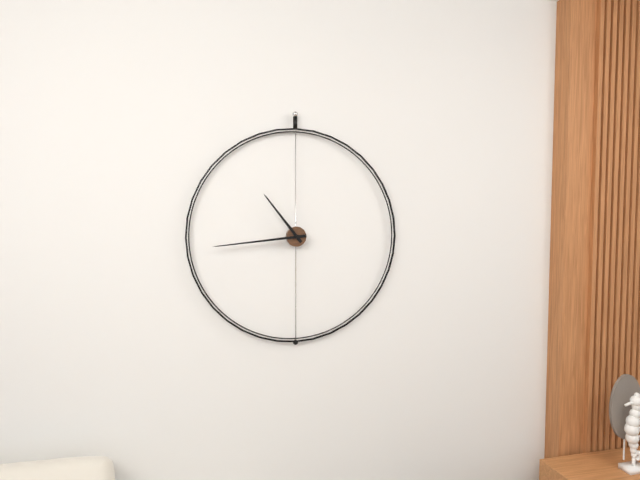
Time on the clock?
10:44
